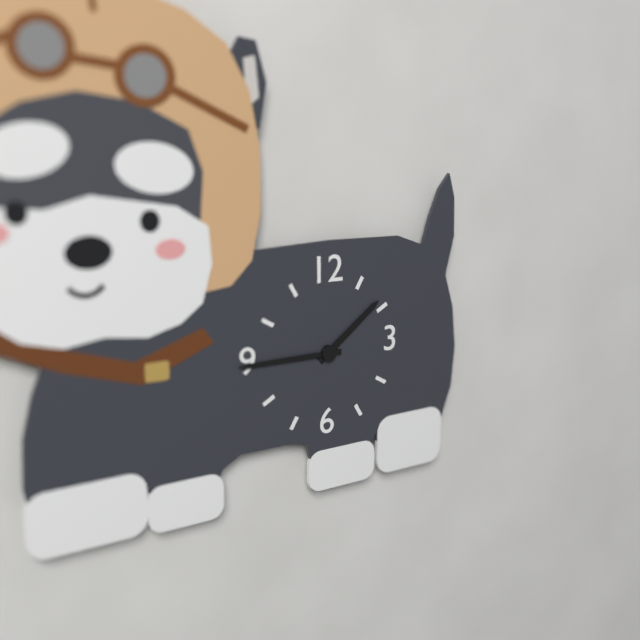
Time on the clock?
1:45
